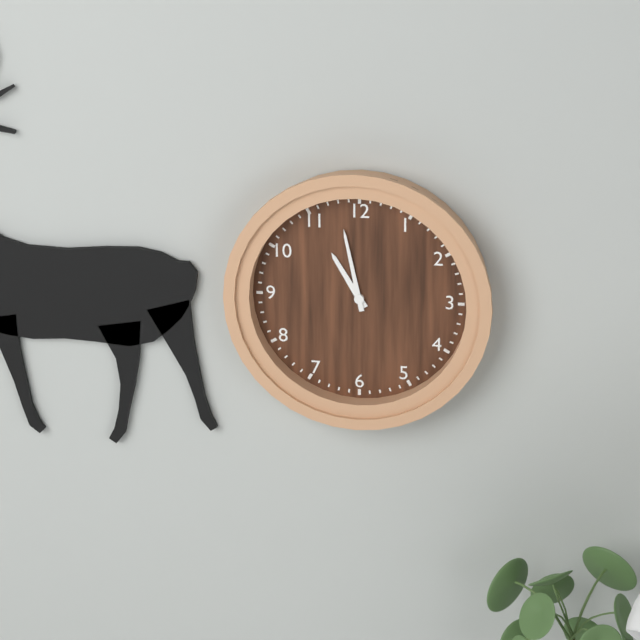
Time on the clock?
10:58
